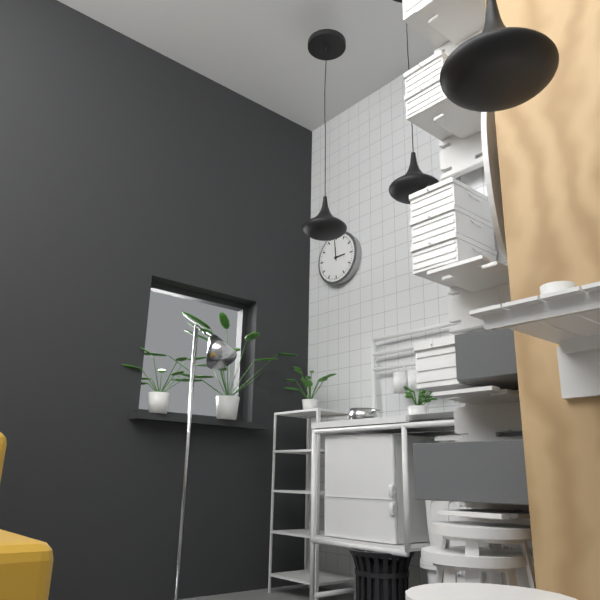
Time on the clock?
2:59
